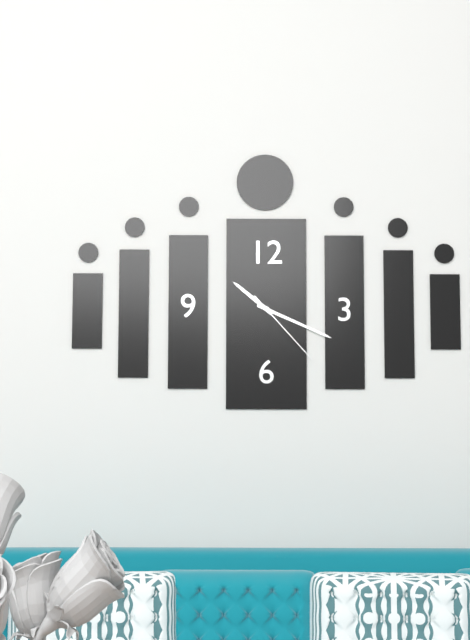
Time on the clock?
10:19:23
